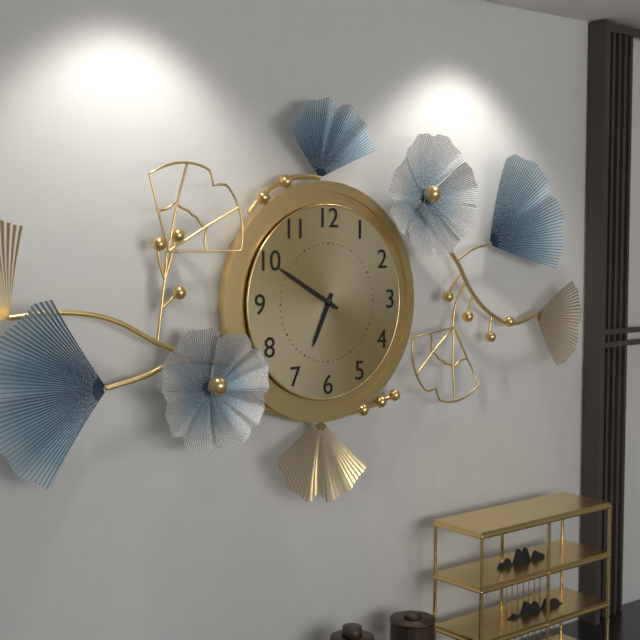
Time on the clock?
6:50
